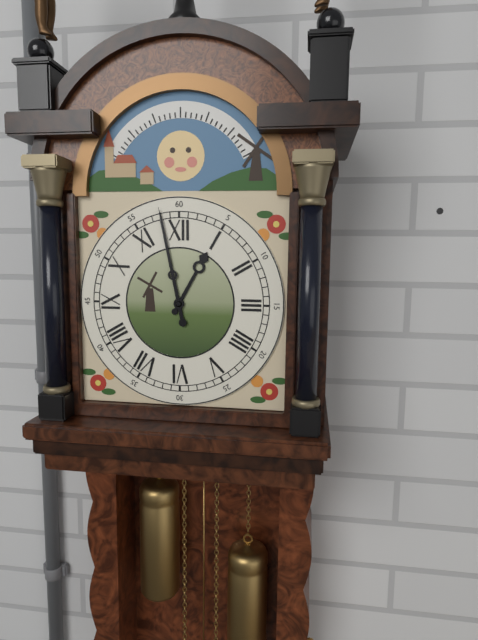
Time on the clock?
12:58
